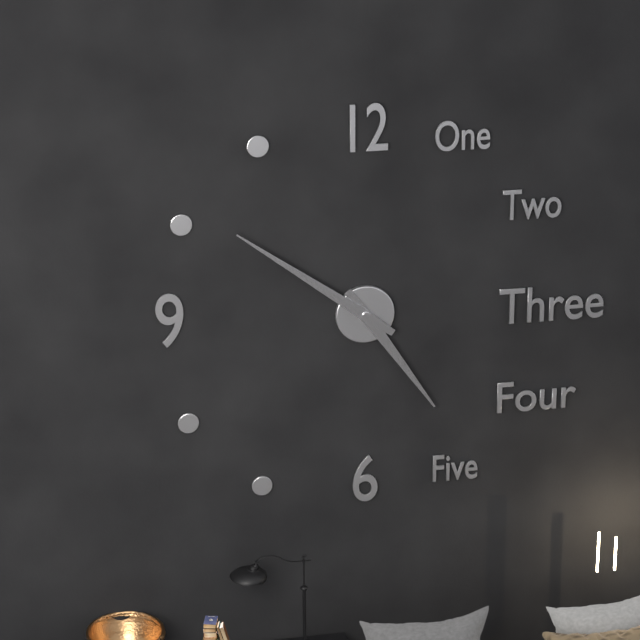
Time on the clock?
4:51
